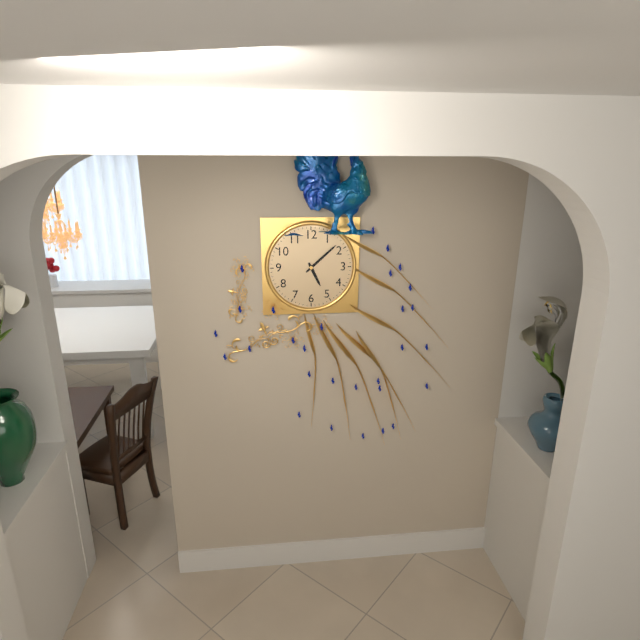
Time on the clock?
5:08
